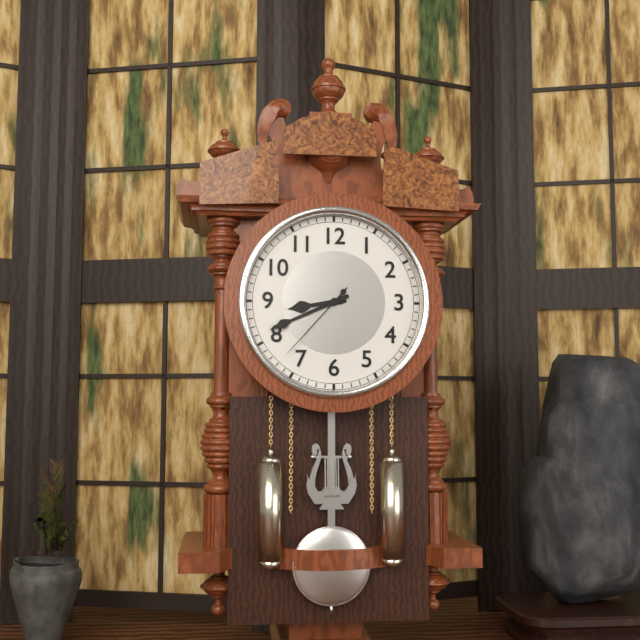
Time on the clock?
8:41:37
